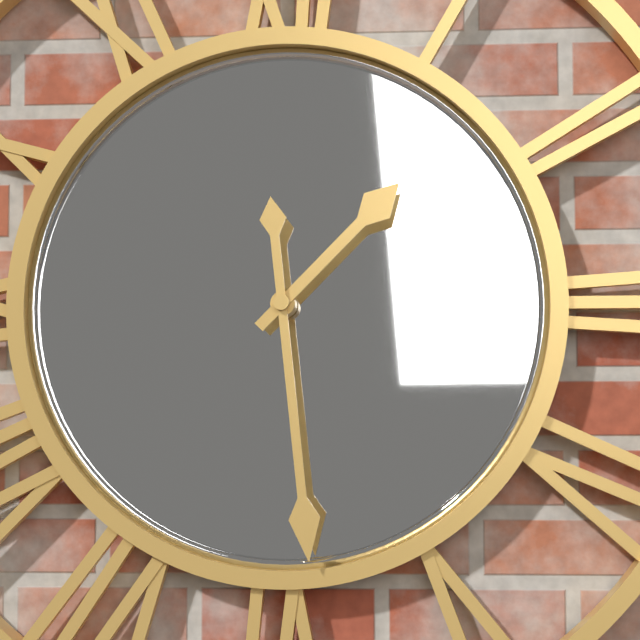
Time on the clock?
1:29
